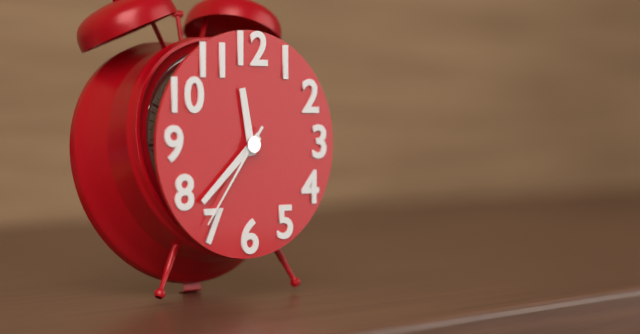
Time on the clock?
11:38:36
